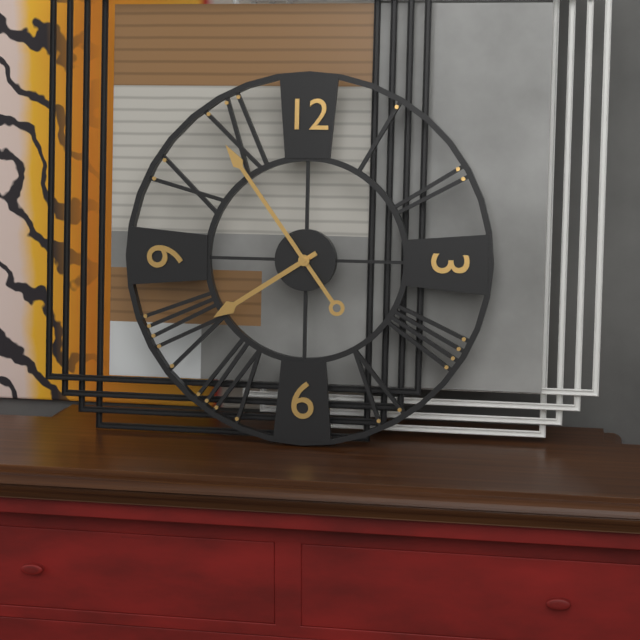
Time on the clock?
7:54
